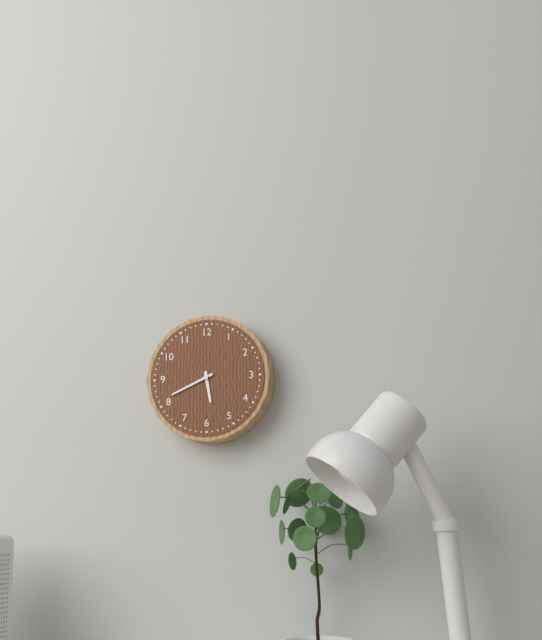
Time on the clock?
5:41
